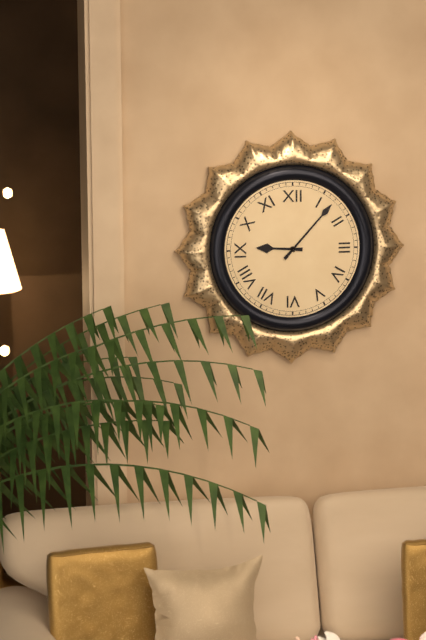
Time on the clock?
9:07
